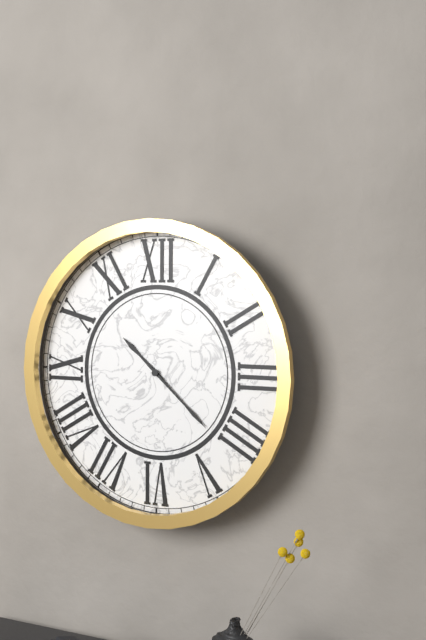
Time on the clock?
10:22
